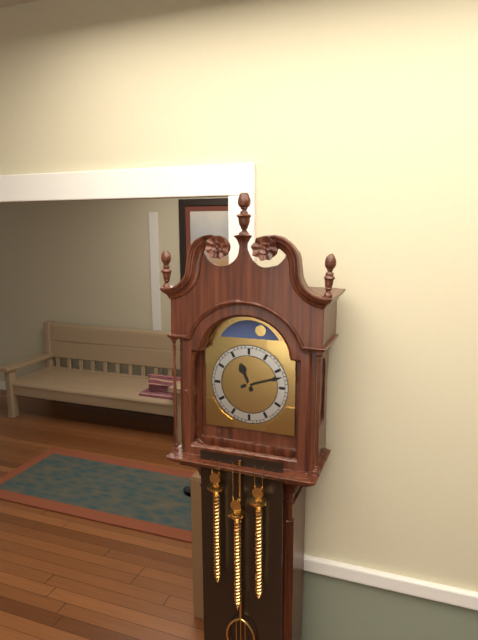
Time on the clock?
11:12
